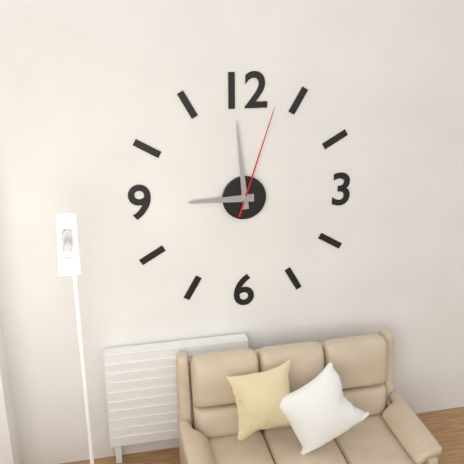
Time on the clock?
8:59:03
